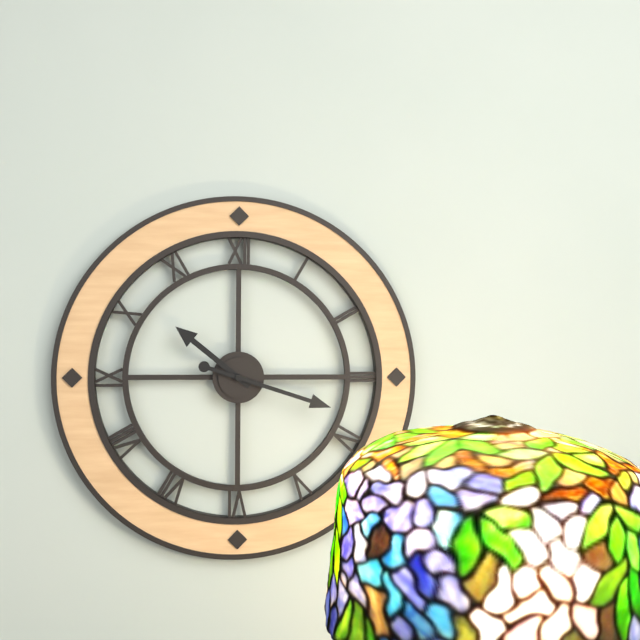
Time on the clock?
10:18
